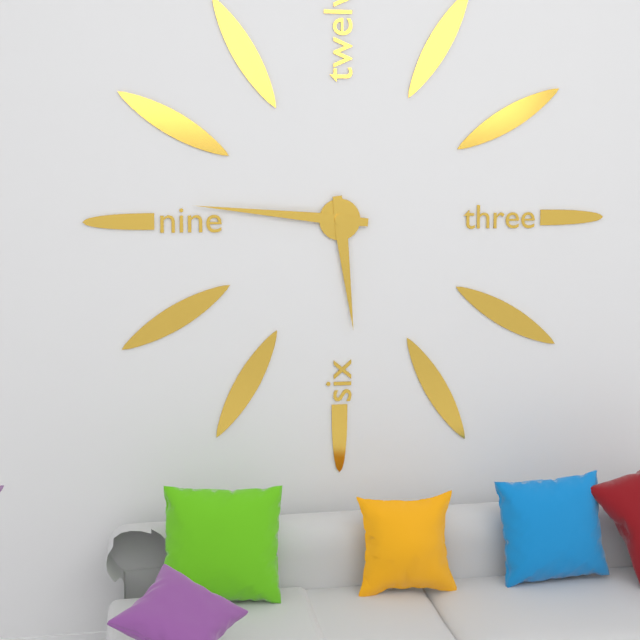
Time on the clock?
5:46
